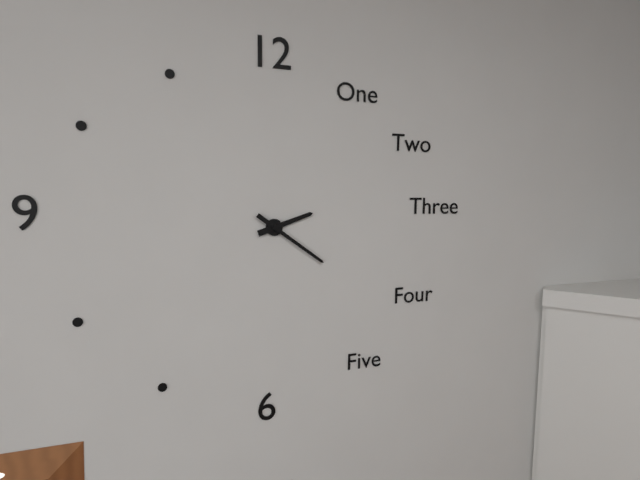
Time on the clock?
2:21
